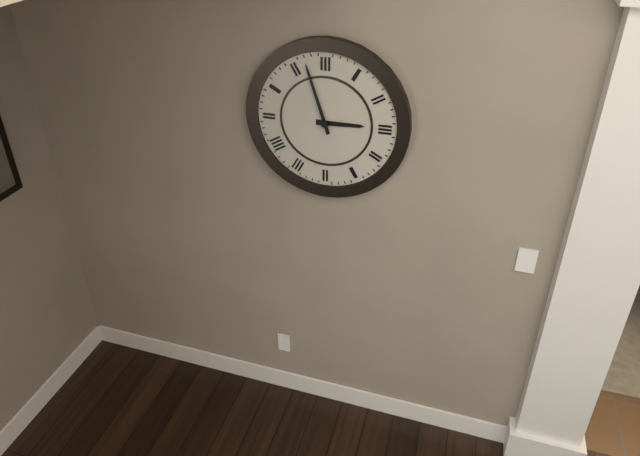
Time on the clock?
2:57
